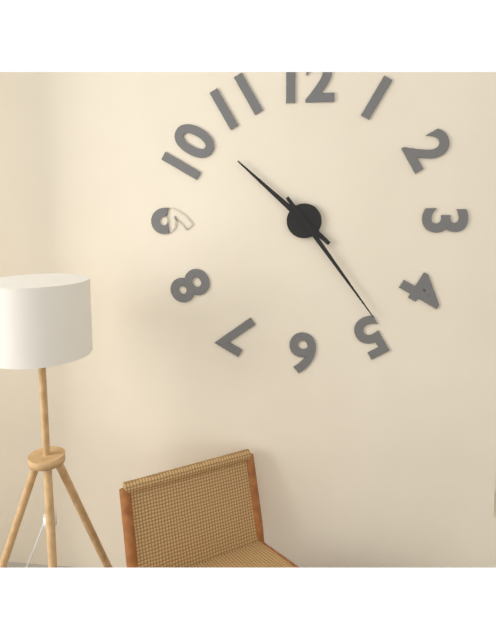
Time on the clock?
10:24
